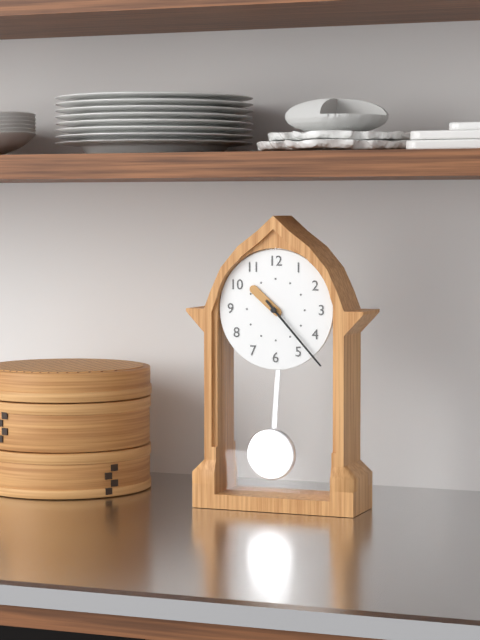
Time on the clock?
10:23
